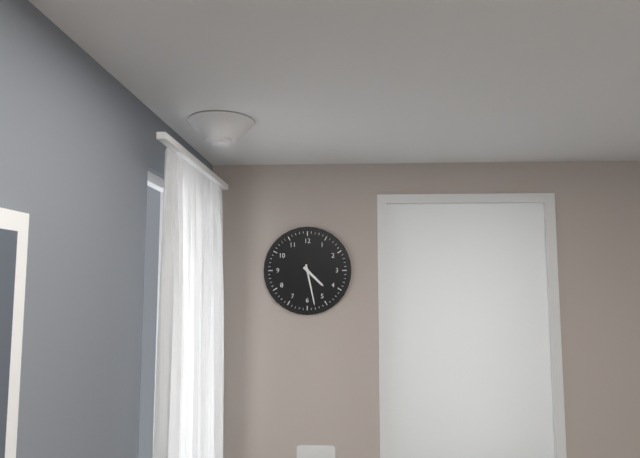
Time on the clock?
4:28
